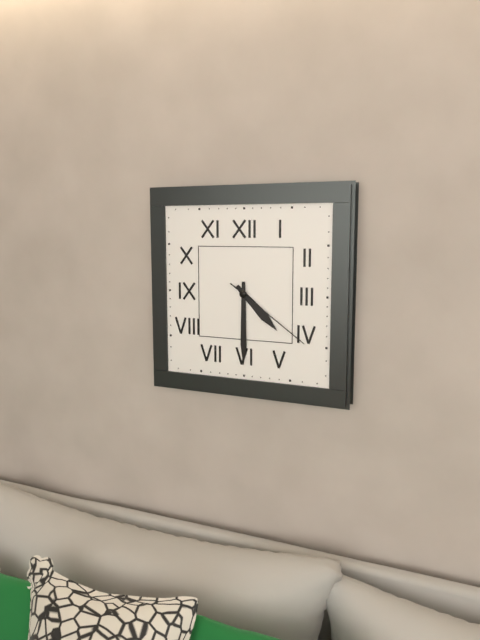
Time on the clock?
4:30:21
